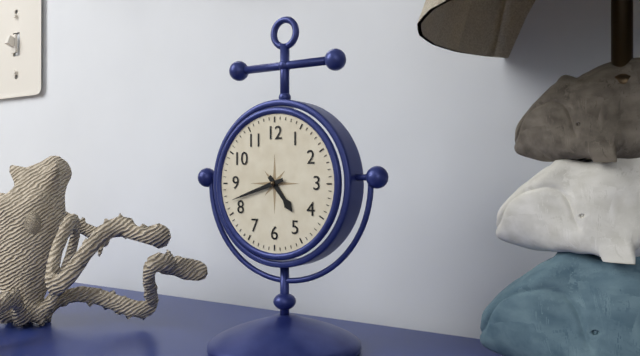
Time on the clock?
4:42
